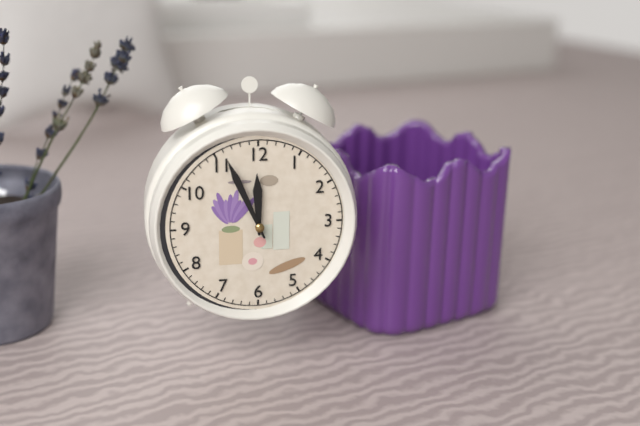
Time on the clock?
11:56
